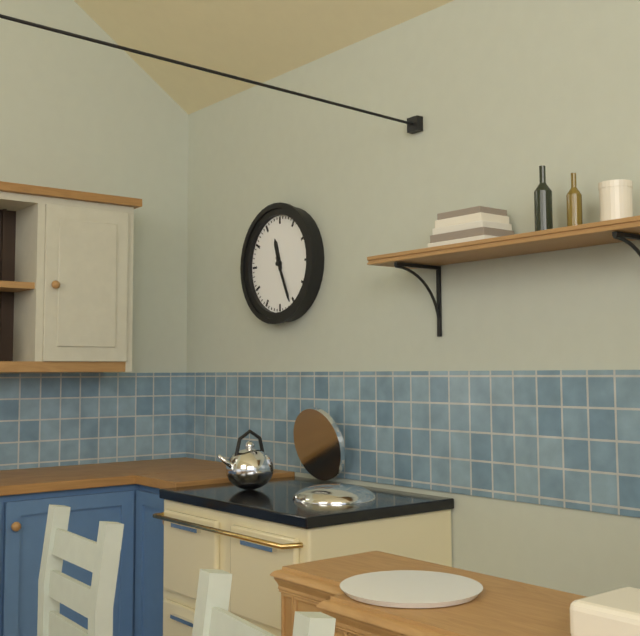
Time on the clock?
11:26
